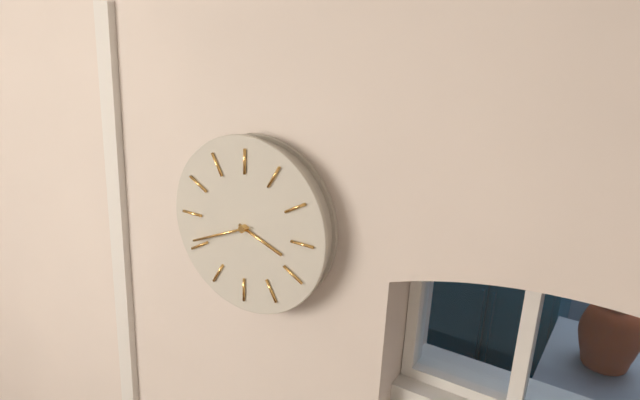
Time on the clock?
3:41
